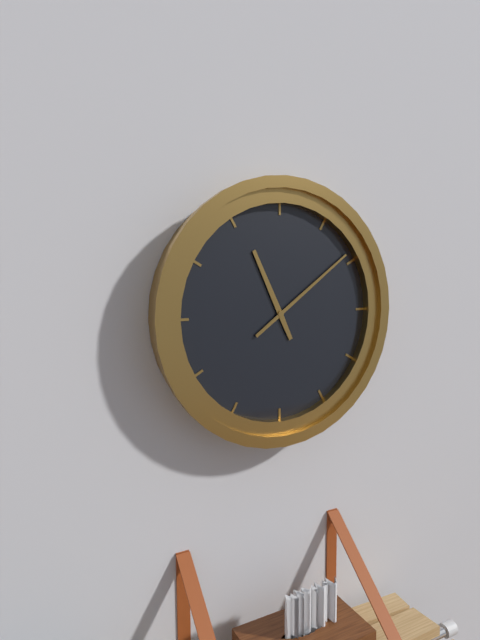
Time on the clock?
11:09
